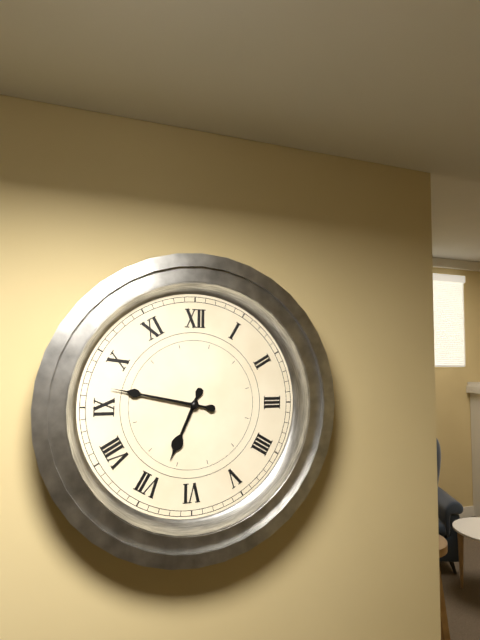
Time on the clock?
6:47
